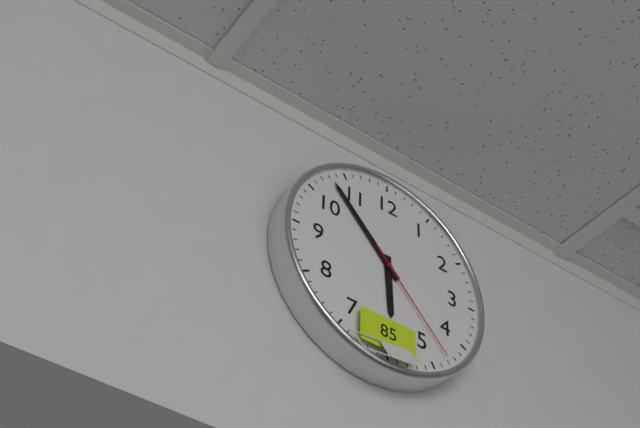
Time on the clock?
5:53:23
